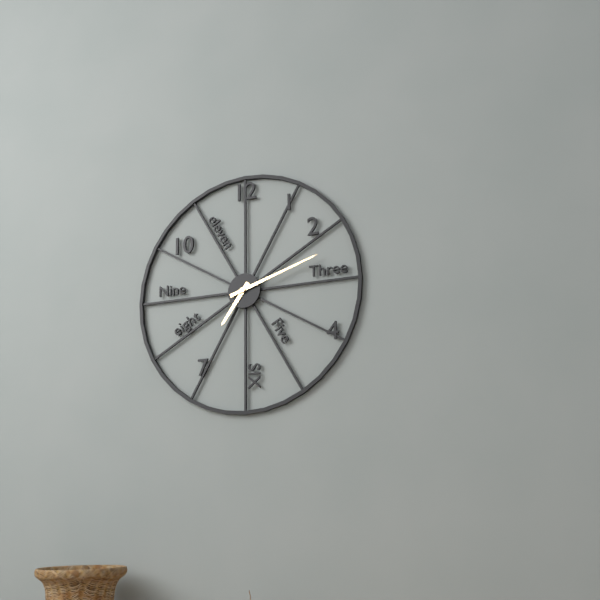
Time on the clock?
7:12
